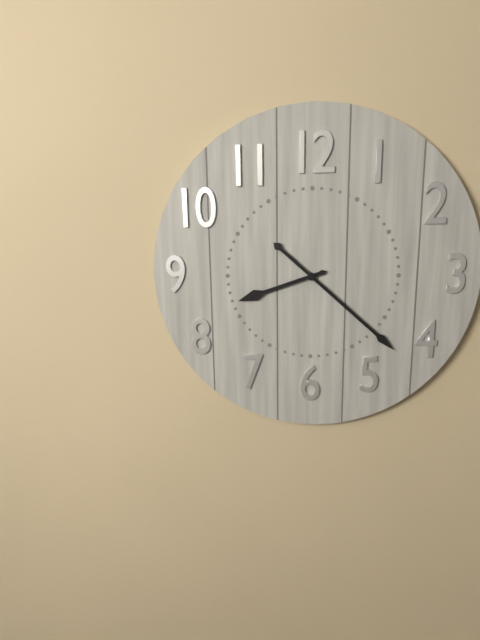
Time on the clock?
8:22
